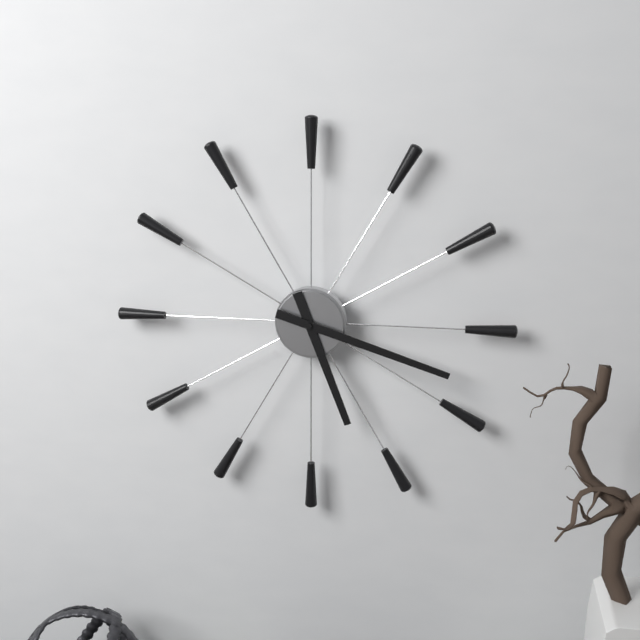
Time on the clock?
5:18
